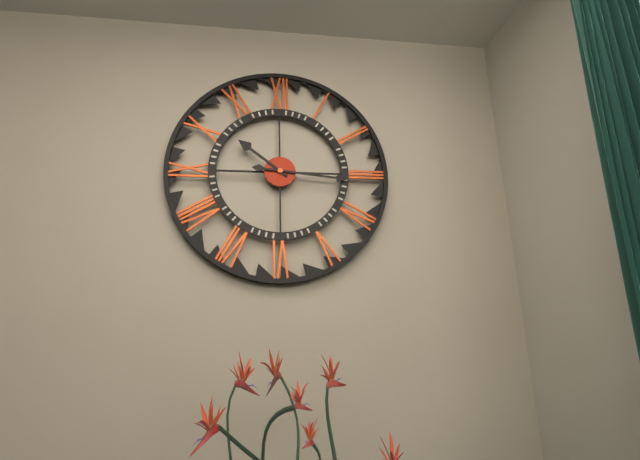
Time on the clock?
10:16
